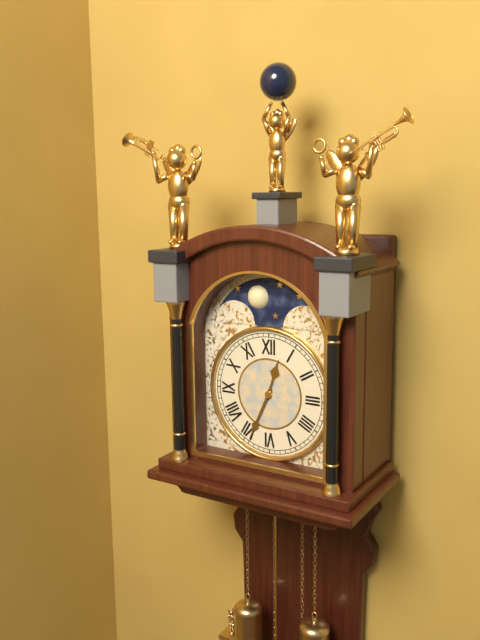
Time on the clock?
12:34
